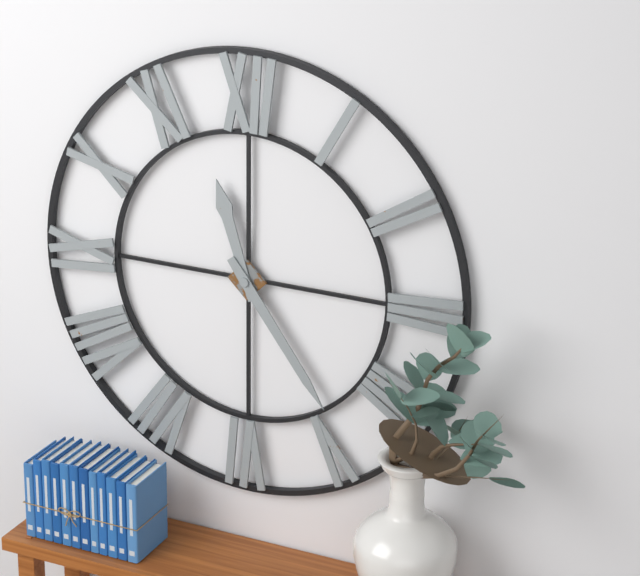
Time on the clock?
11:24
